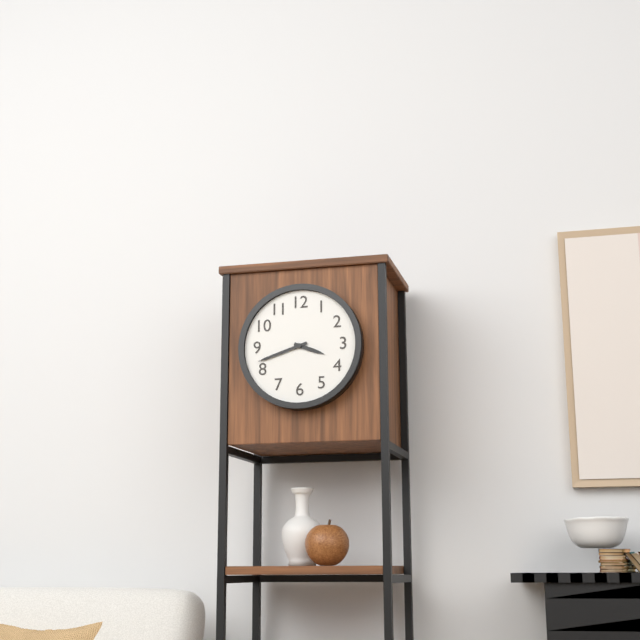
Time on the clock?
3:42
